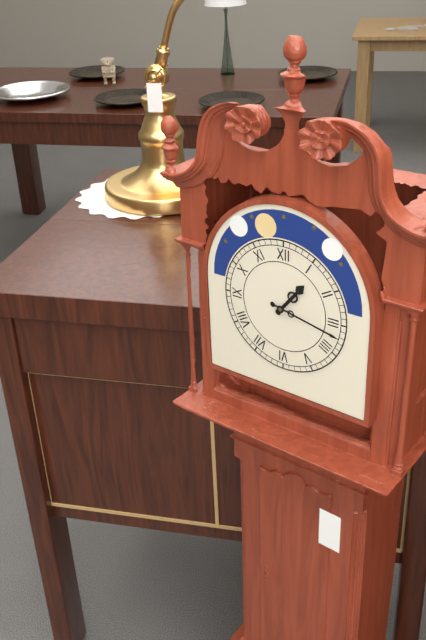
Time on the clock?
1:17
